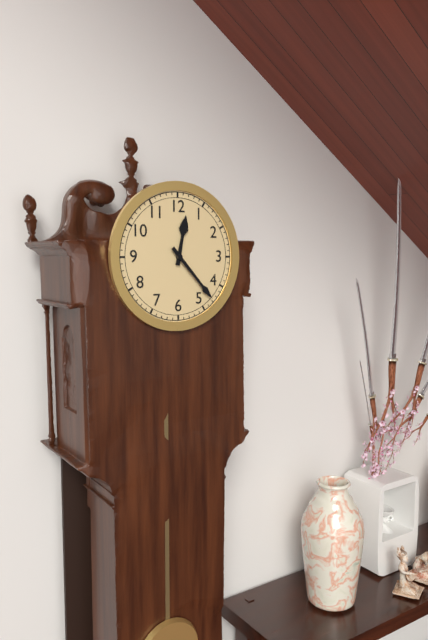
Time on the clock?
12:23
